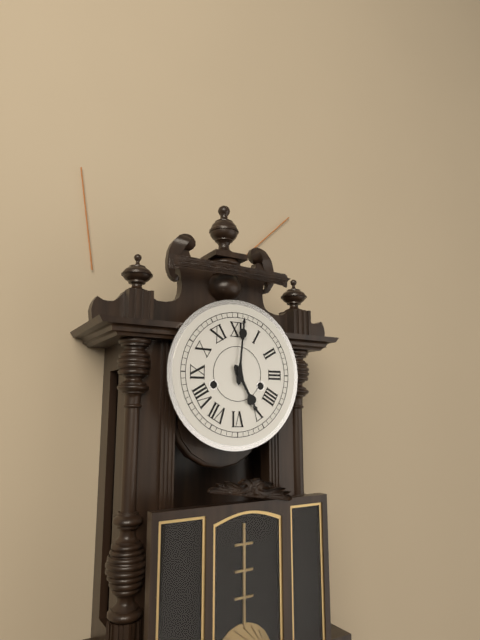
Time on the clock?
5:01
